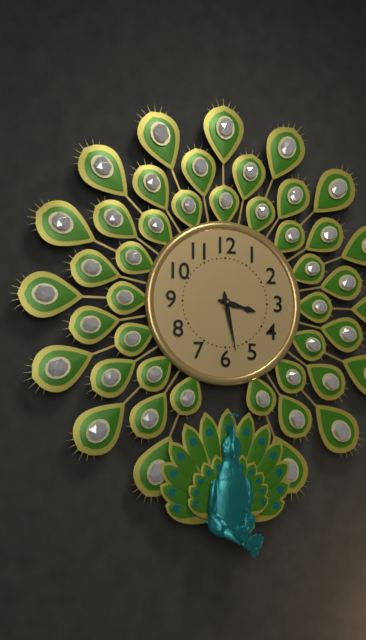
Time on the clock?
3:28
